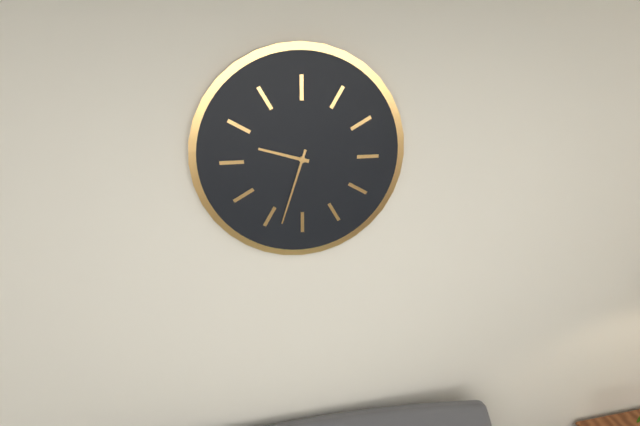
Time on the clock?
9:33
